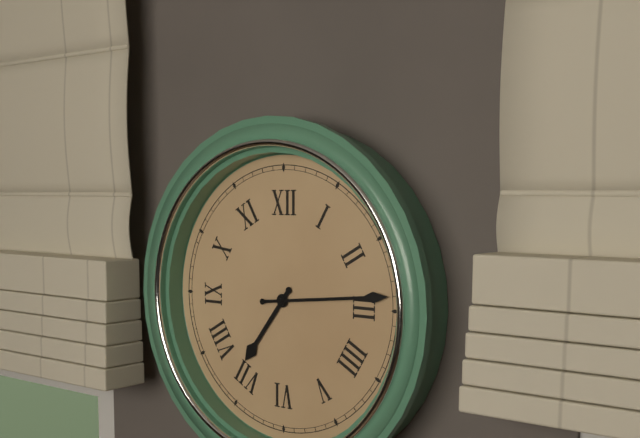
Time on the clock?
7:14
